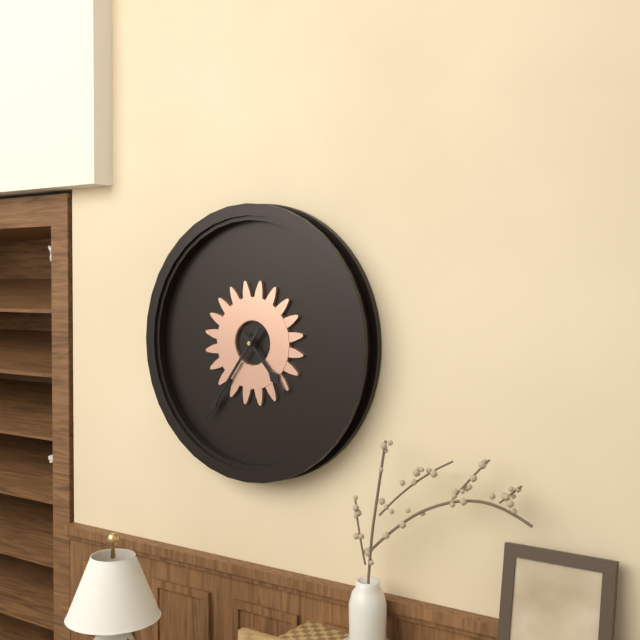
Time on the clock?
4:36
